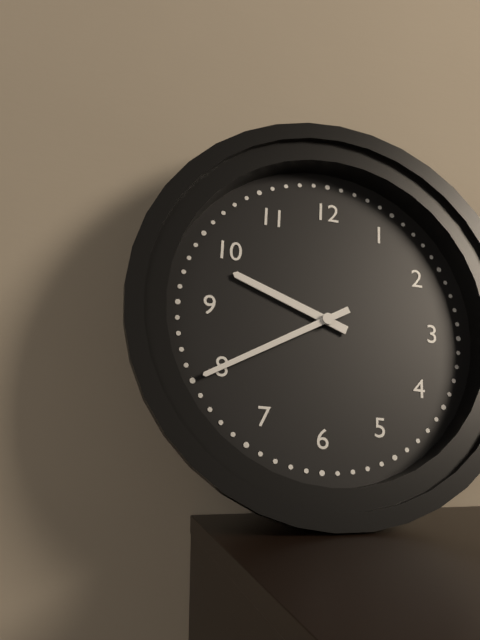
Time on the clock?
9:40
